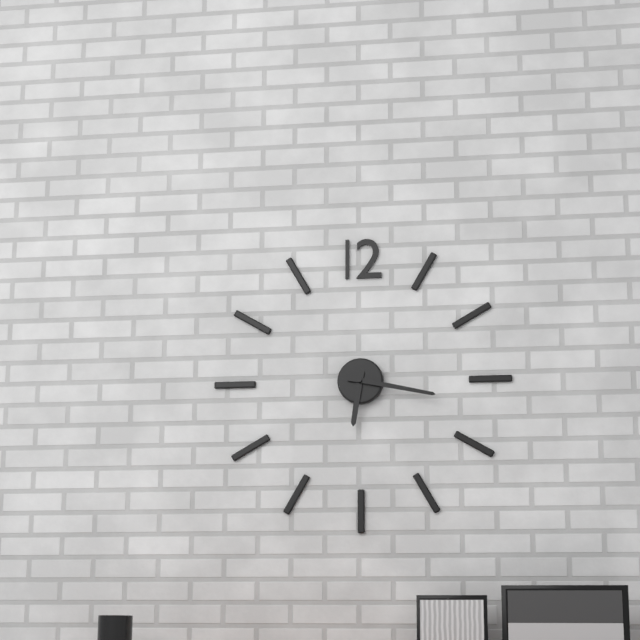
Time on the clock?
6:17
